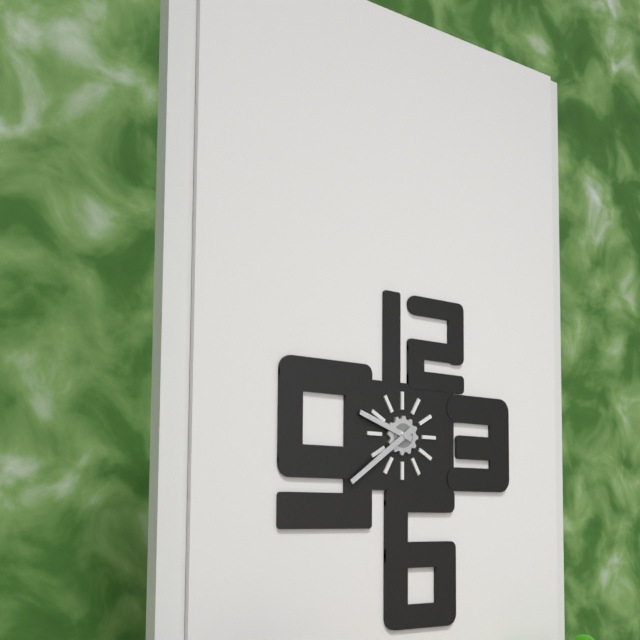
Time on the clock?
9:39
